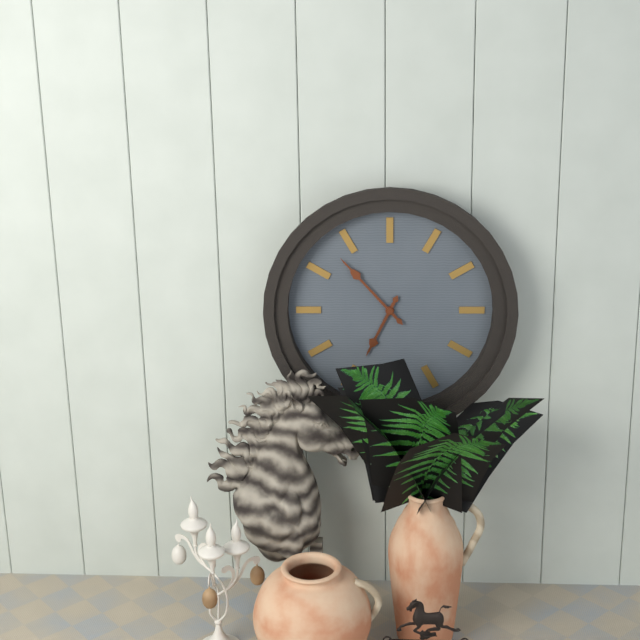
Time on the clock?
6:53
